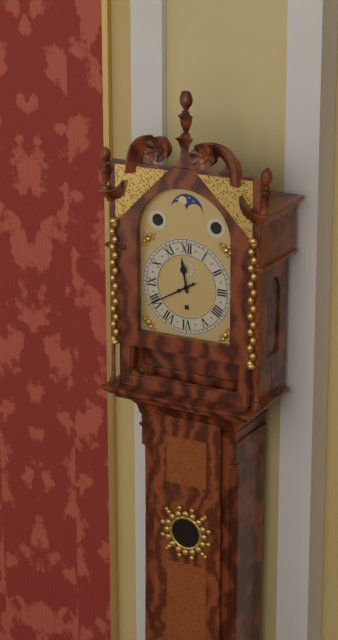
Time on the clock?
11:40
